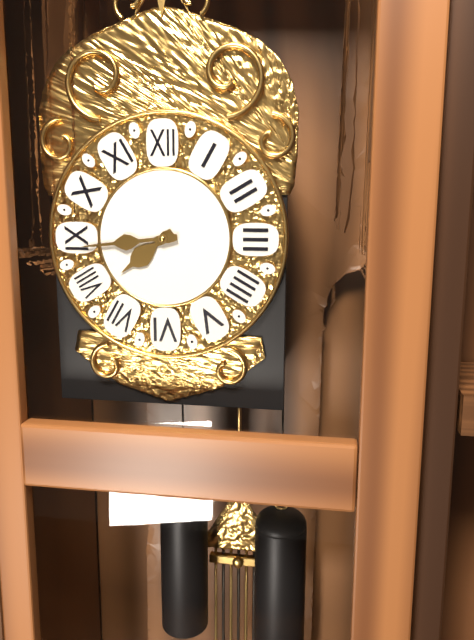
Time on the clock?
7:44
